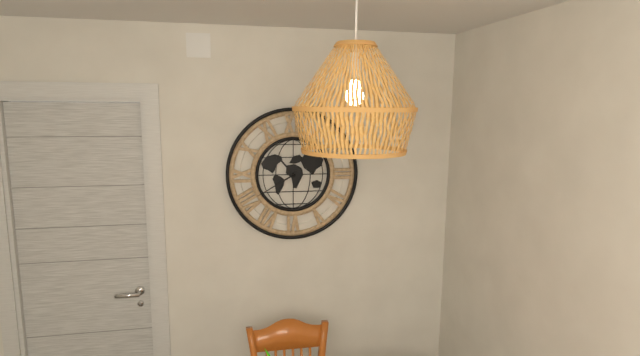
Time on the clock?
10:40
